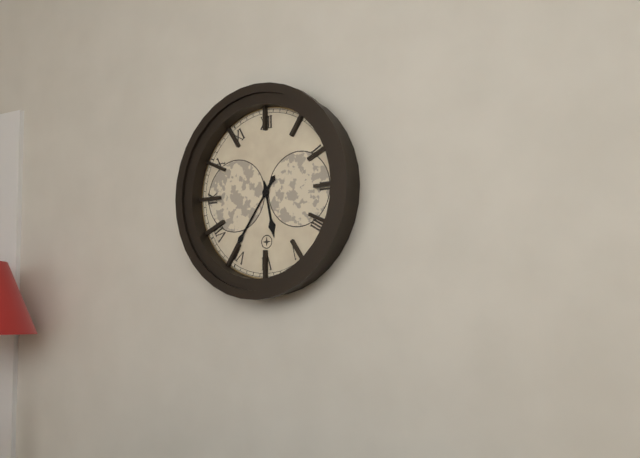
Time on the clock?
5:36
